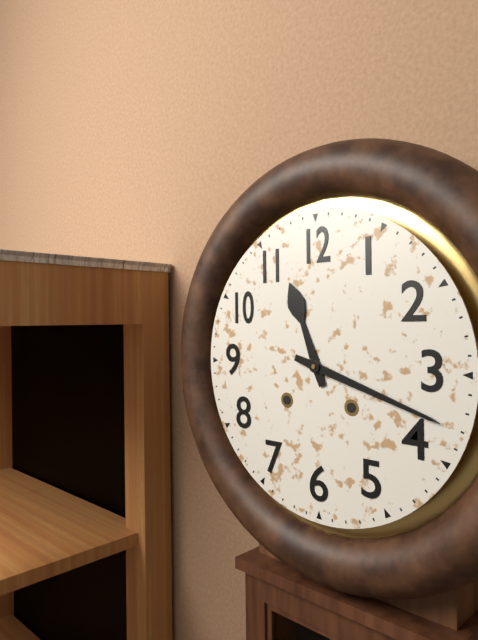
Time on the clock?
11:18
